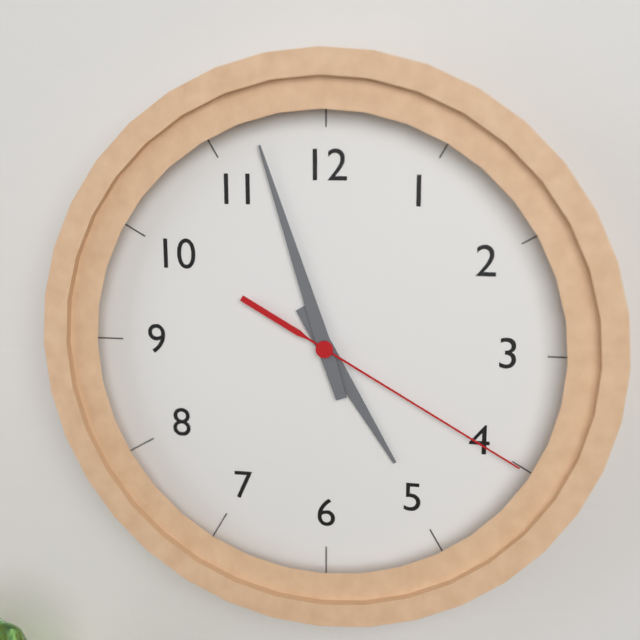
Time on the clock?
4:57:20
